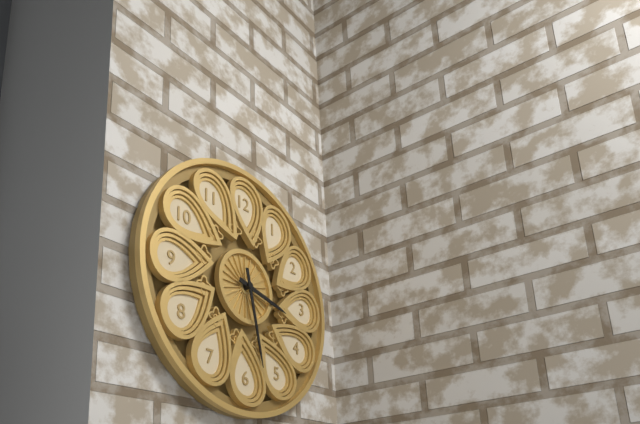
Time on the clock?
3:28
